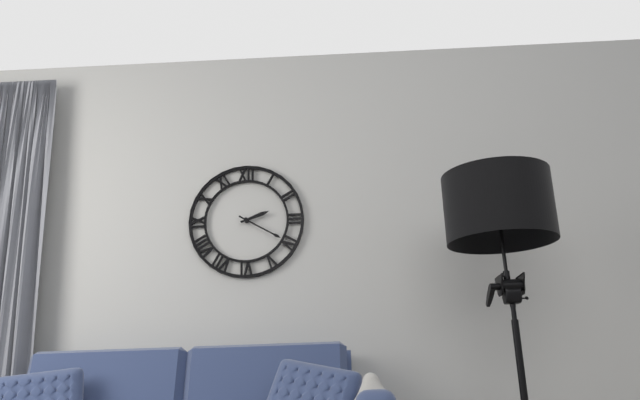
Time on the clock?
2:20
